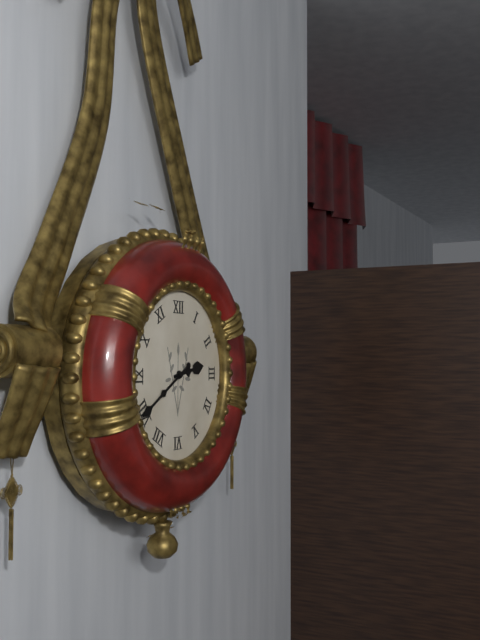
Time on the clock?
2:40
